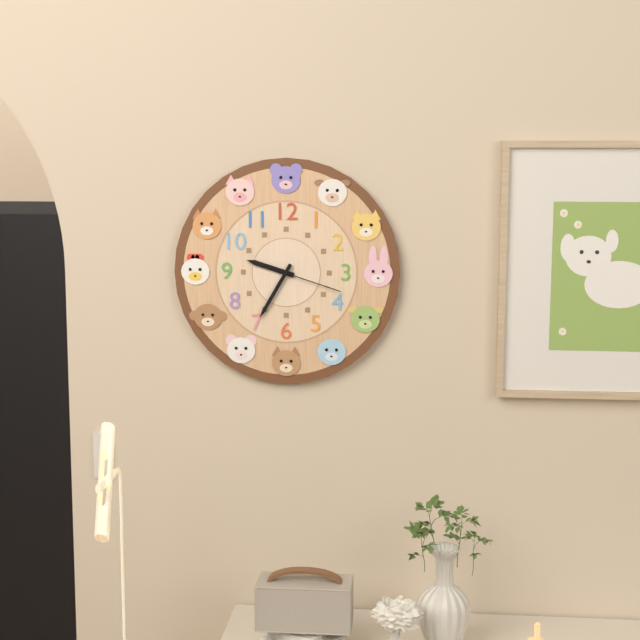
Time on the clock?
9:35:18
